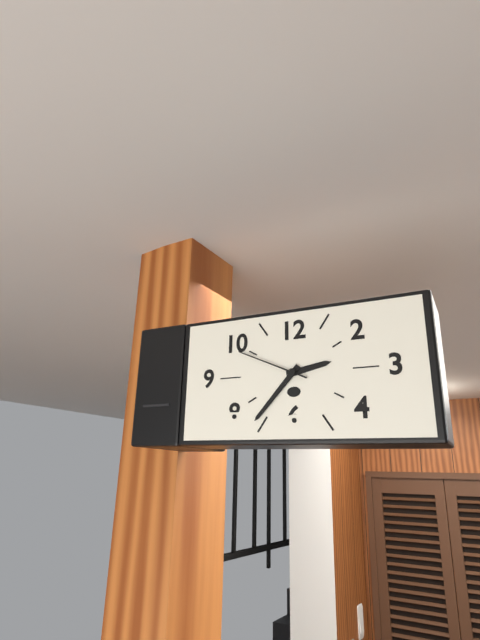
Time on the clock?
2:37:49
